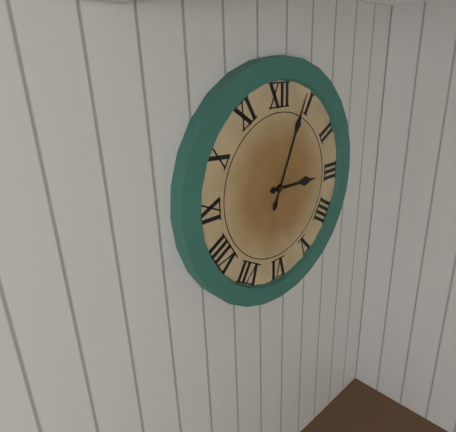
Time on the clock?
3:04
